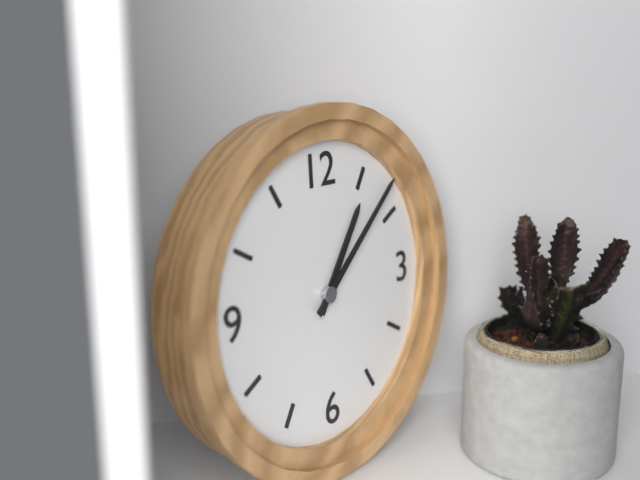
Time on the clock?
1:08
